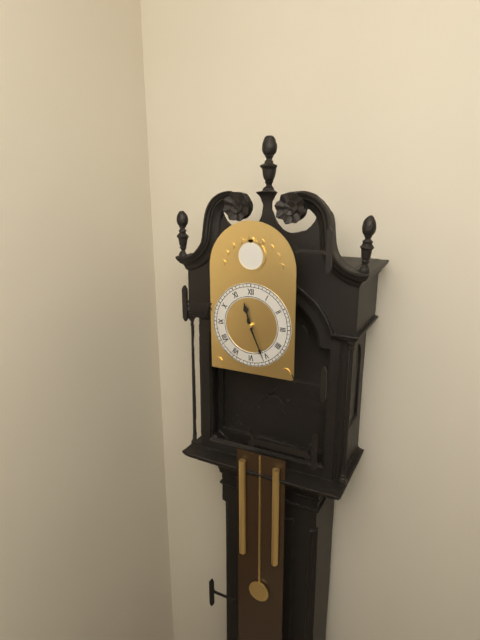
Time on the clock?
11:26
